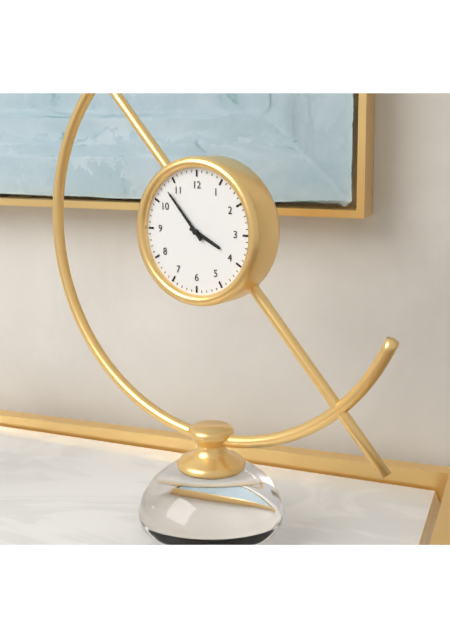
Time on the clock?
3:53
